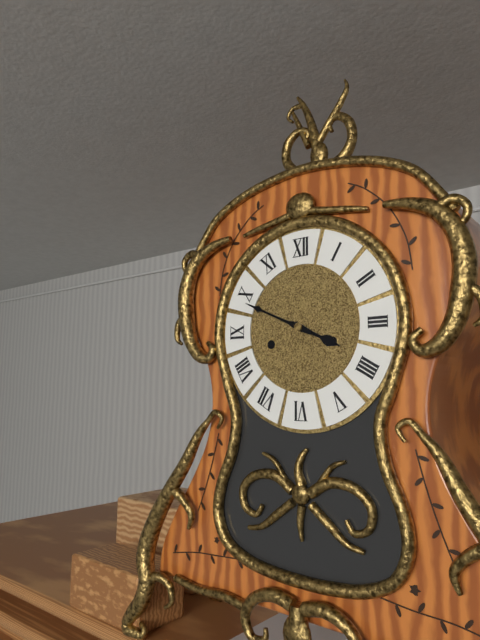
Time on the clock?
3:49
